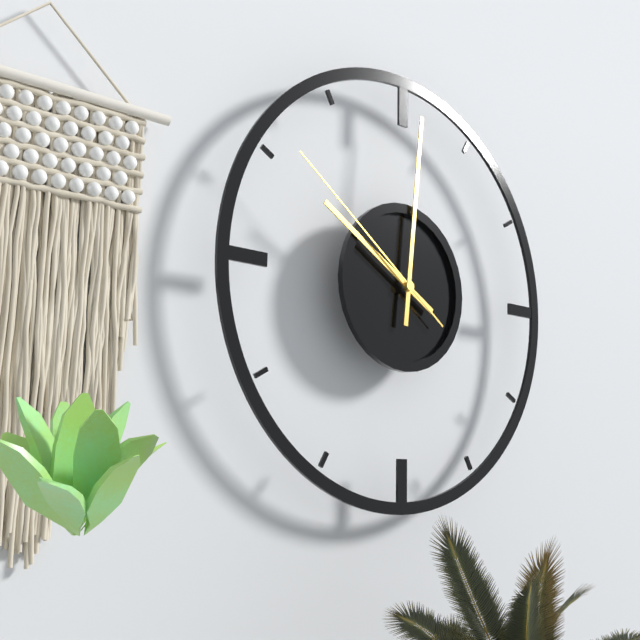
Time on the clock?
10:01:51
